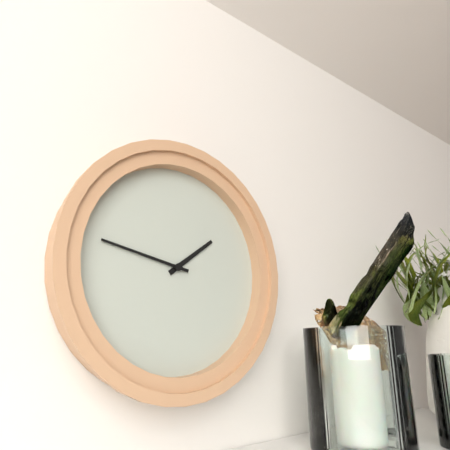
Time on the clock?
1:47
